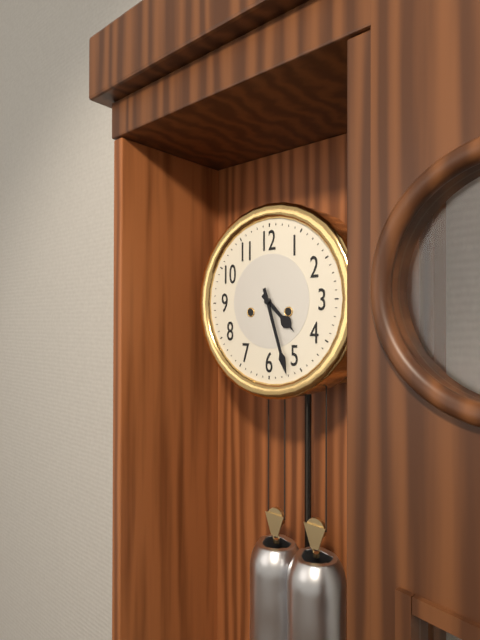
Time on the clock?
4:27
